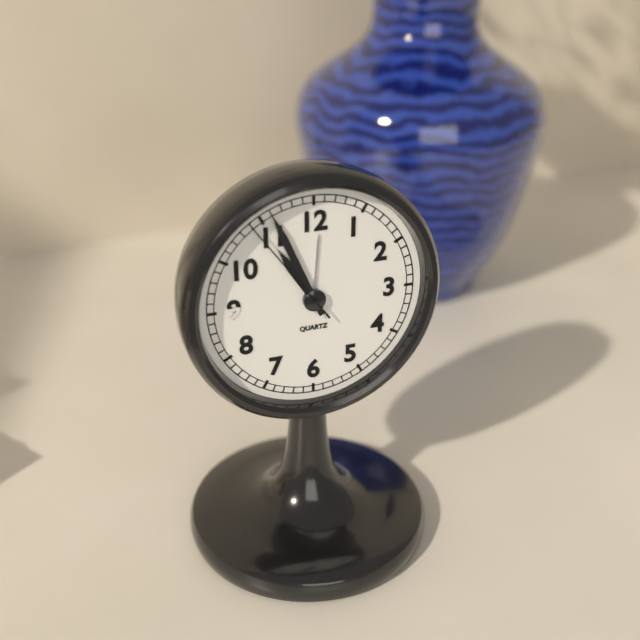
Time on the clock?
10:56:54
